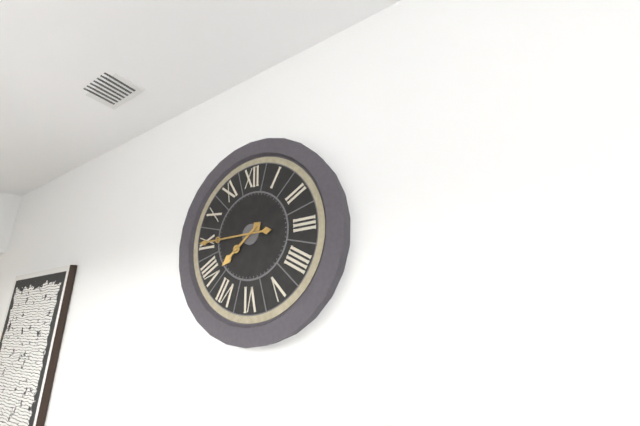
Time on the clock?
7:45
